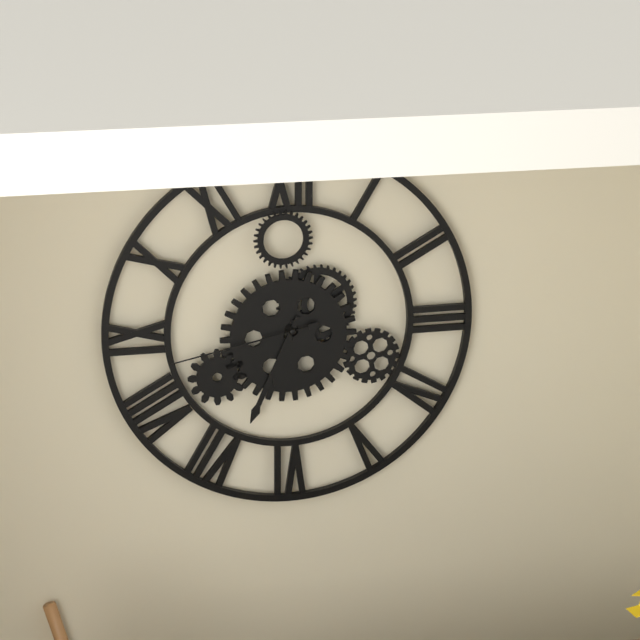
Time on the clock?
6:34:43
